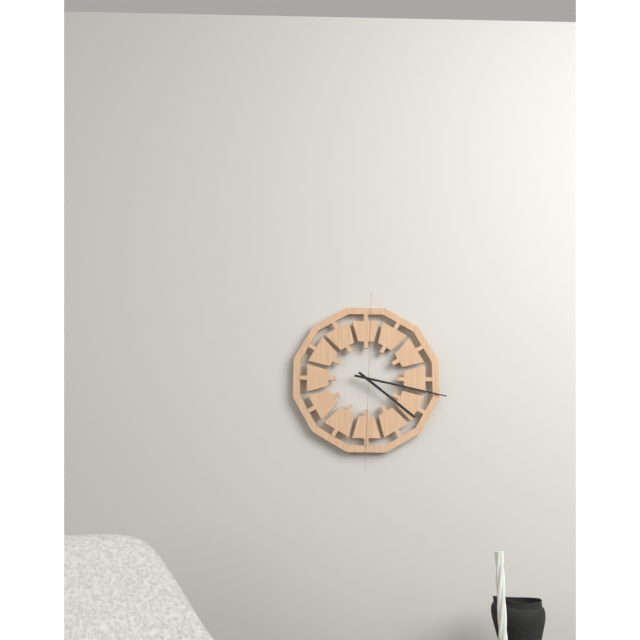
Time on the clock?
4:17
